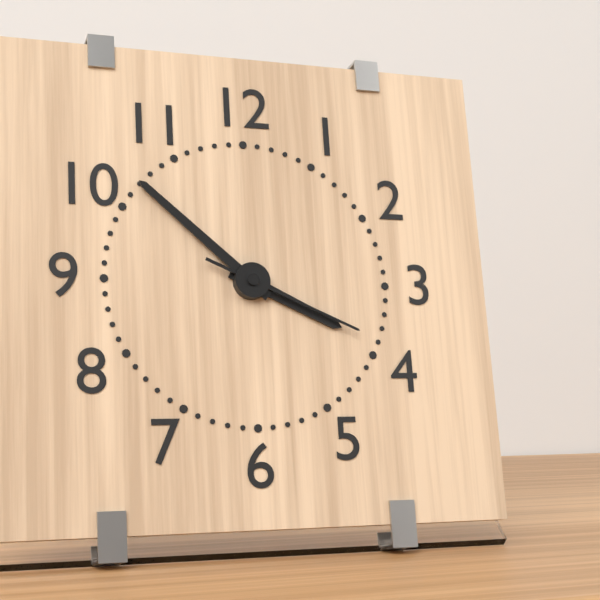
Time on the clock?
3:52:19
